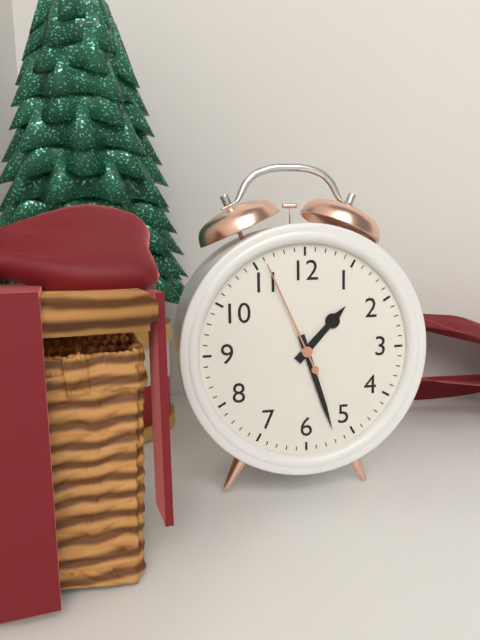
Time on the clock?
1:27:56
